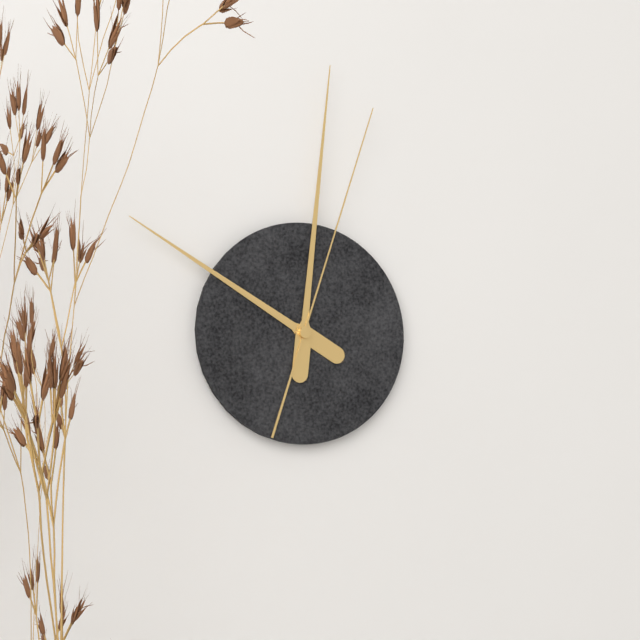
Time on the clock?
10:01:03
